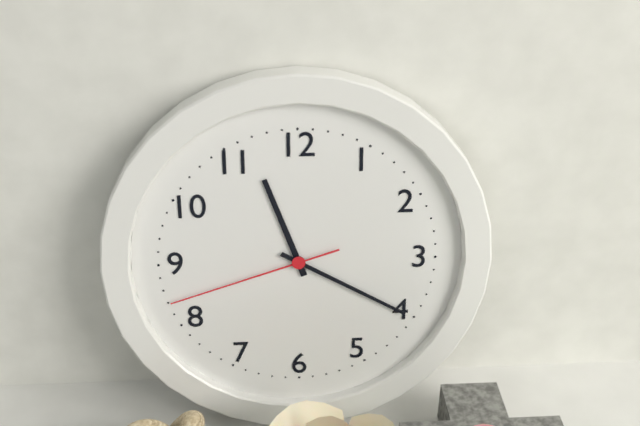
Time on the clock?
11:20:42
